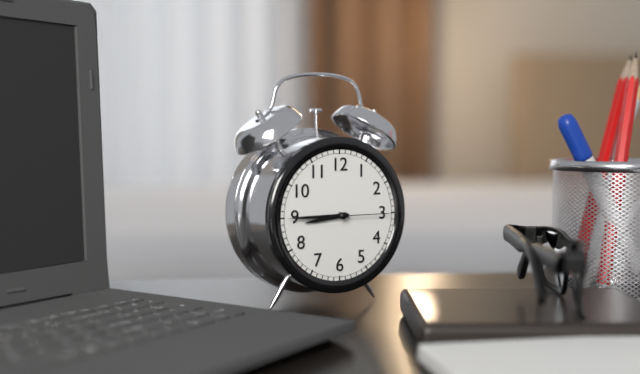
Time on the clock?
8:45:15
